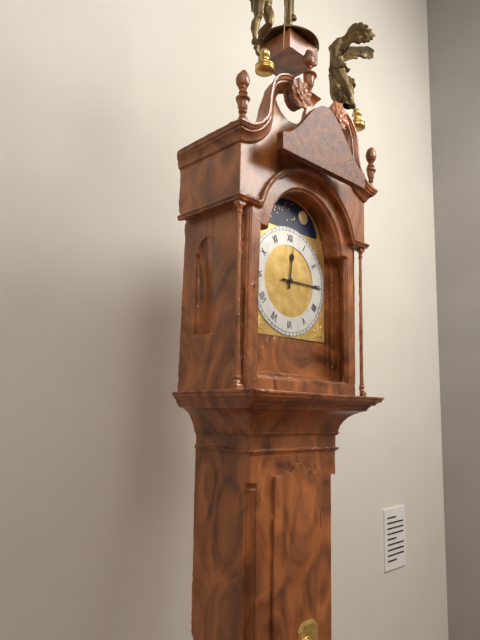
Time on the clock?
12:15
